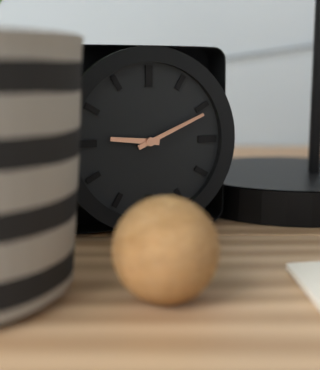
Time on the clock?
9:11
